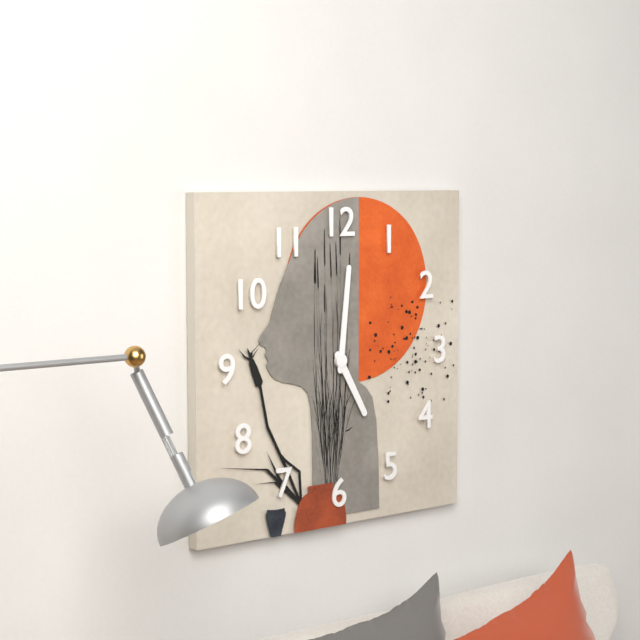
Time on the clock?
5:01
